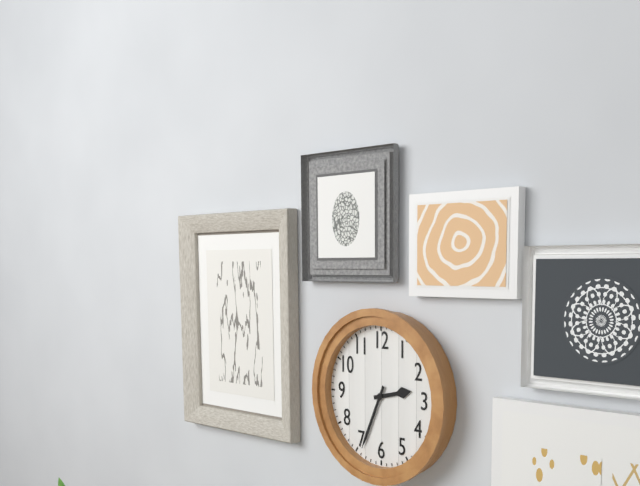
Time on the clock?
2:34
